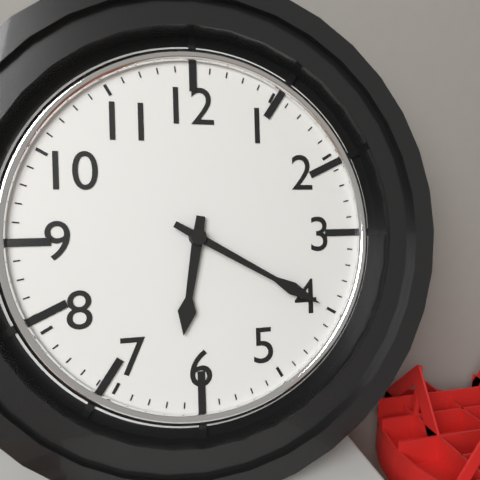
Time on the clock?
6:20
